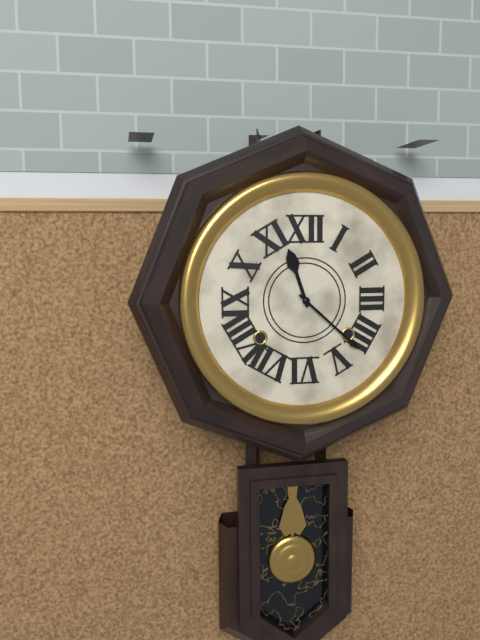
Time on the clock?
11:22
